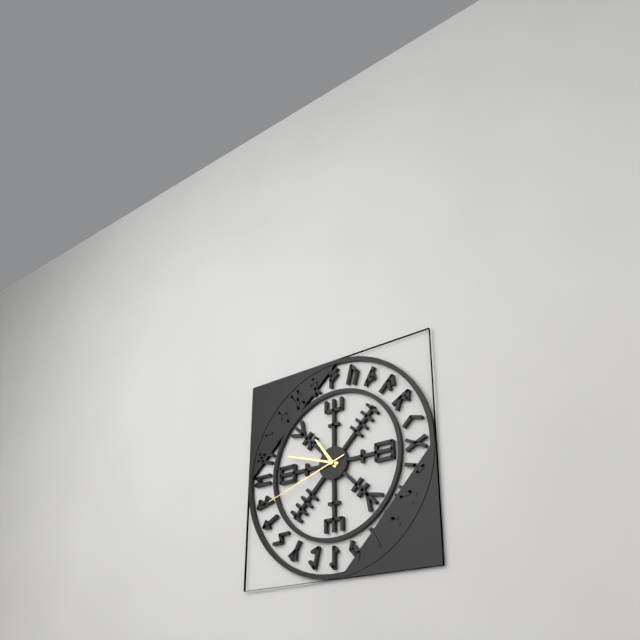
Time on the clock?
10:48:42
